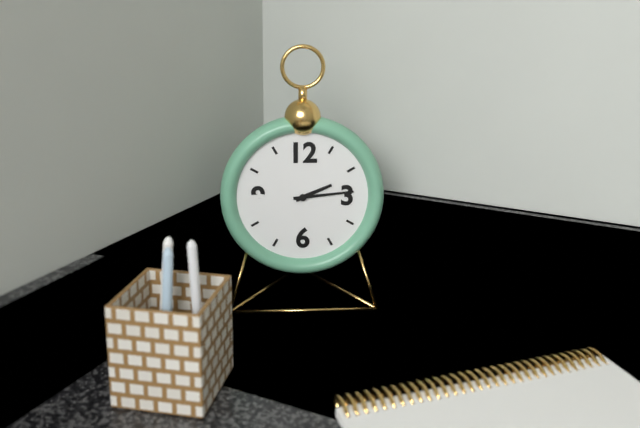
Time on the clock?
2:14
